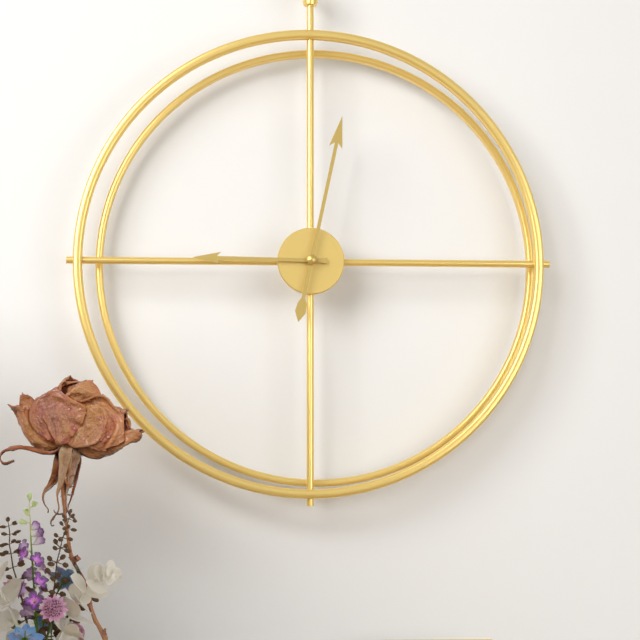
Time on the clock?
9:02
